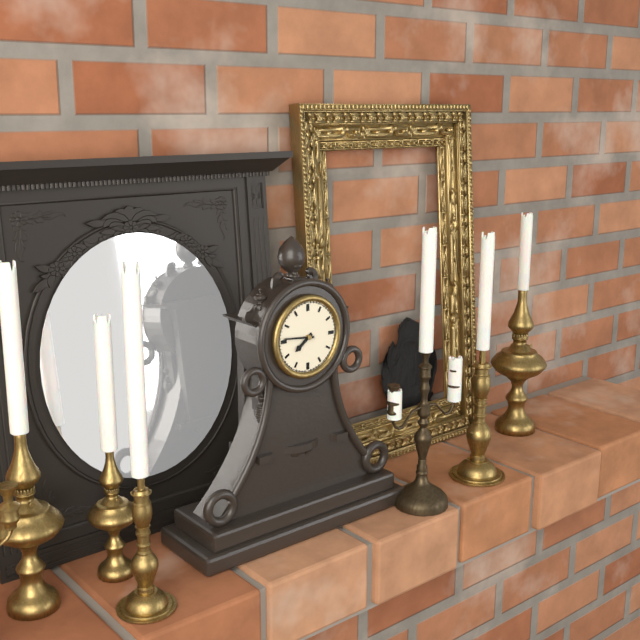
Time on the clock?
7:46
